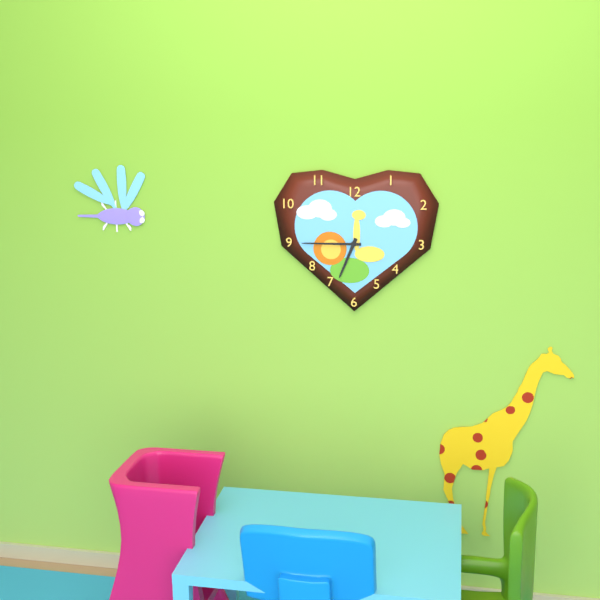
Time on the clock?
6:45
